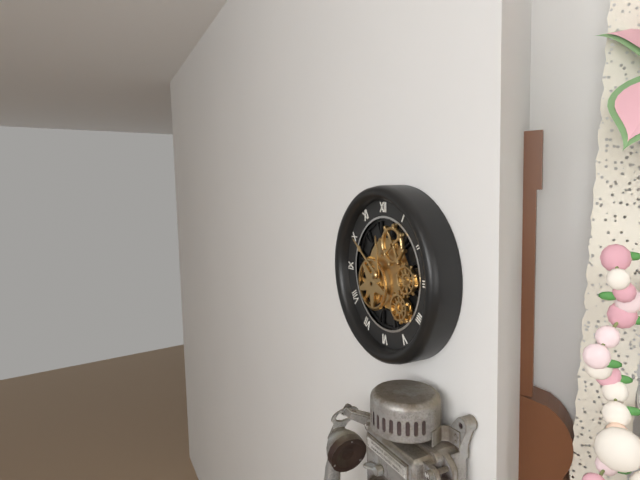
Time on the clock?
11:51
